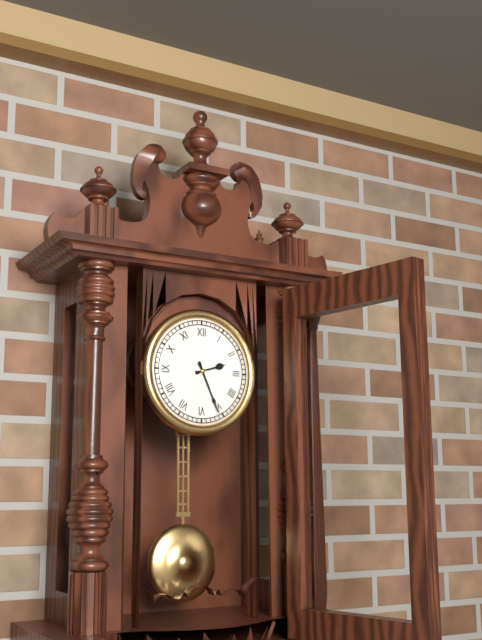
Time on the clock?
2:26
